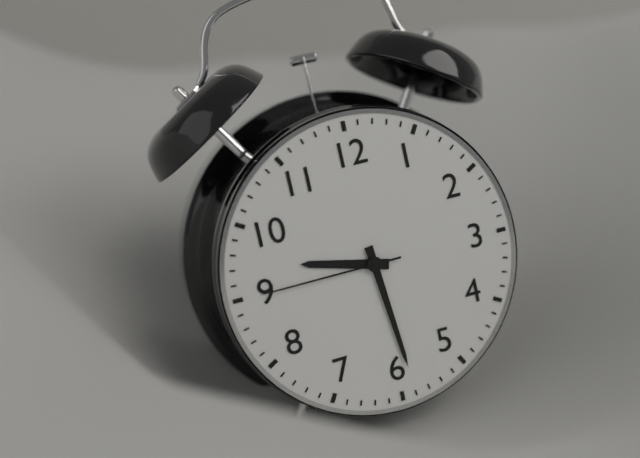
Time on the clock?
9:29:45
